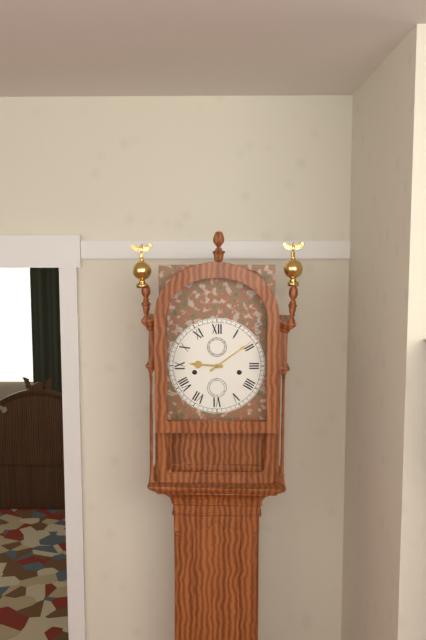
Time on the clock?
9:09
